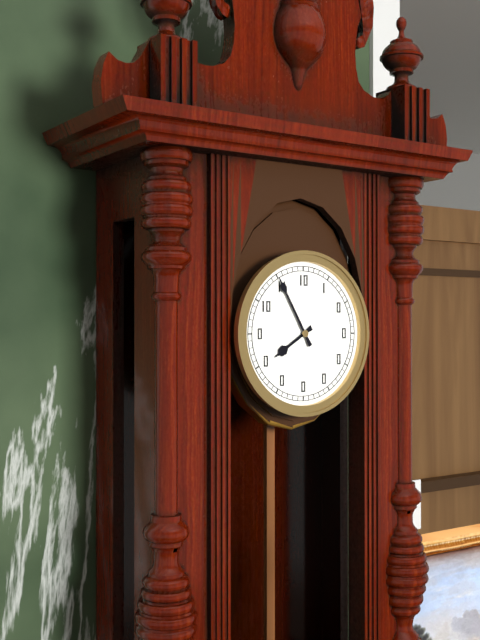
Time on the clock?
7:55
